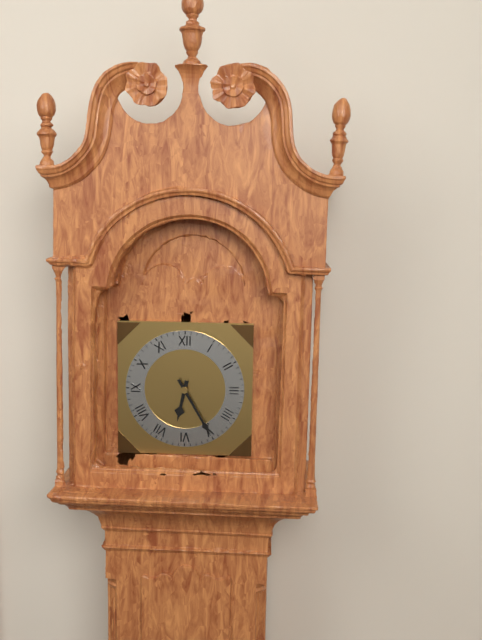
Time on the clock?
6:25
